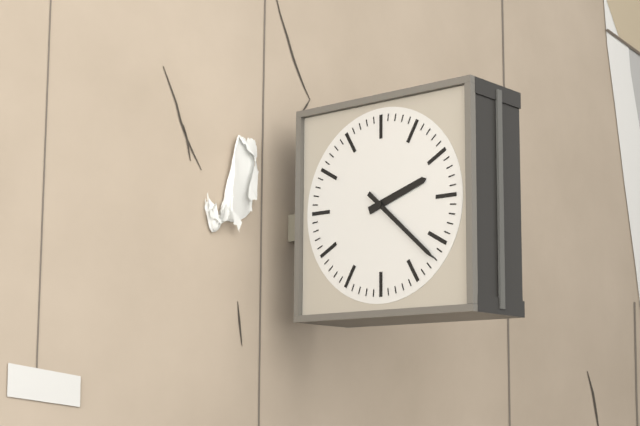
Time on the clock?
2:22
